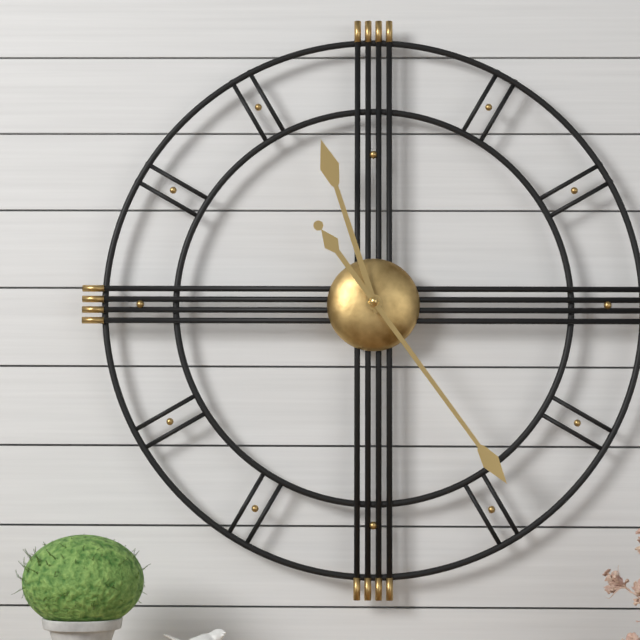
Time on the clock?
11:24
